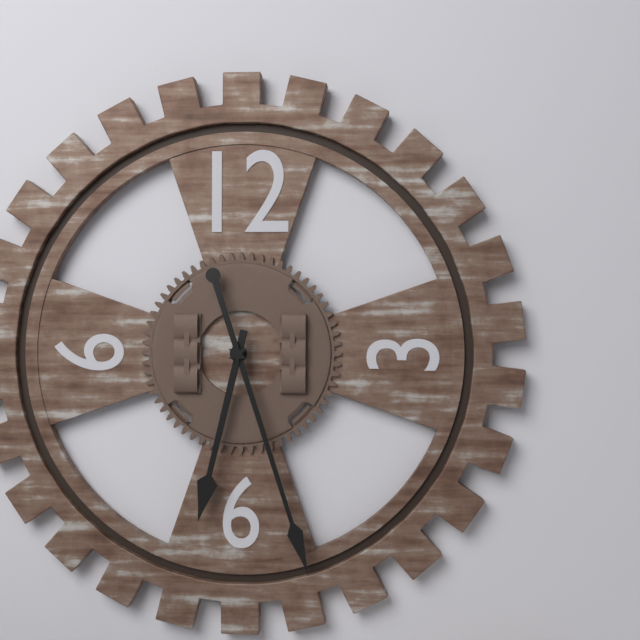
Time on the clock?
6:27
